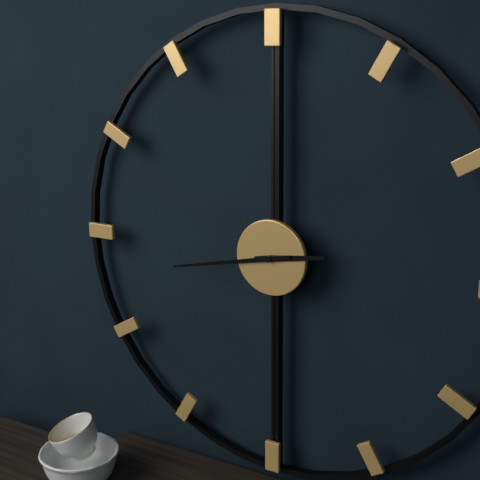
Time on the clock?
2:43
